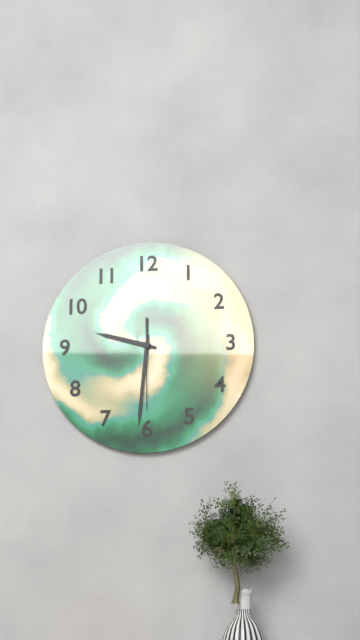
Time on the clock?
9:31:30
